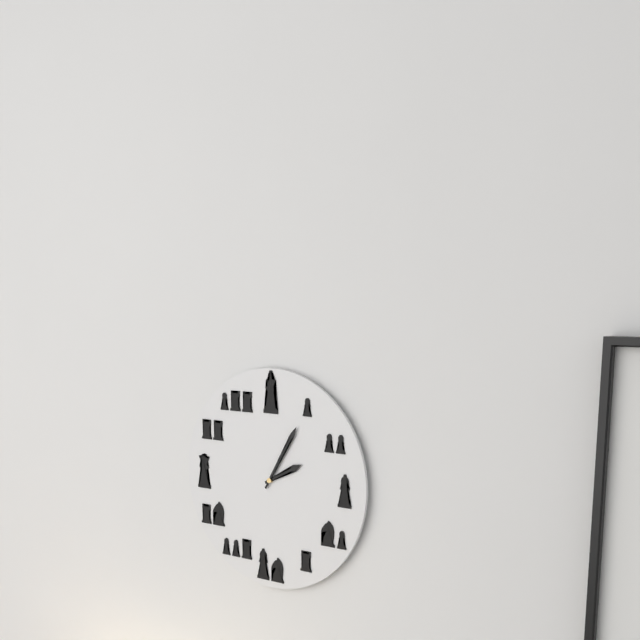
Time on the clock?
2:05
